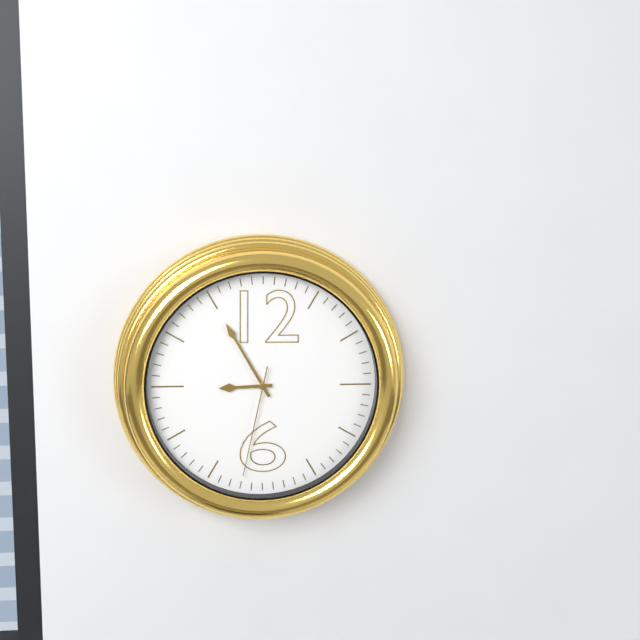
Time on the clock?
8:55:32
